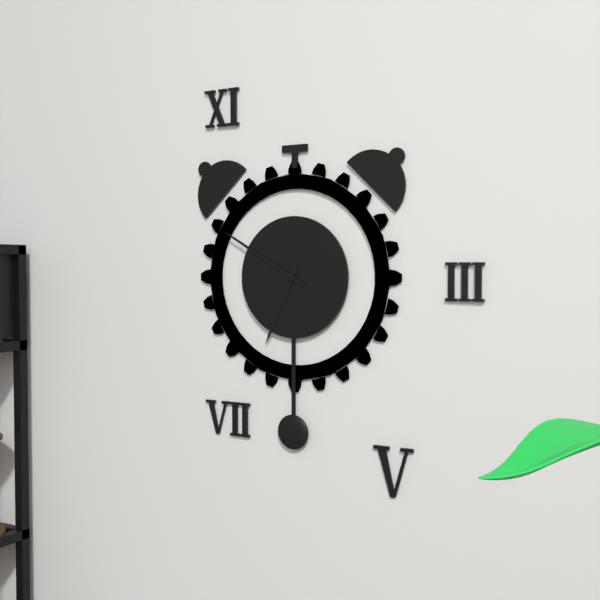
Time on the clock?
6:50
